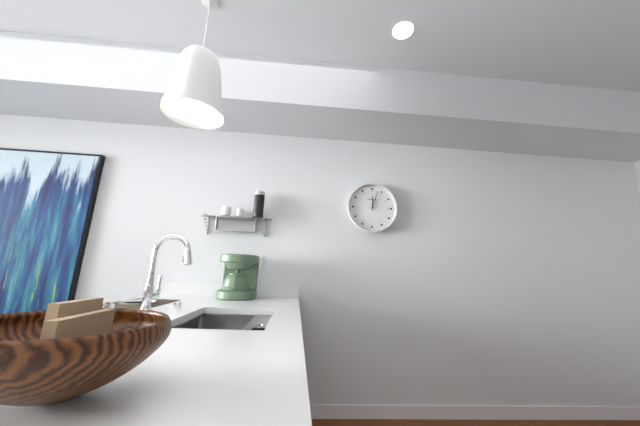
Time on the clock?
12:03
